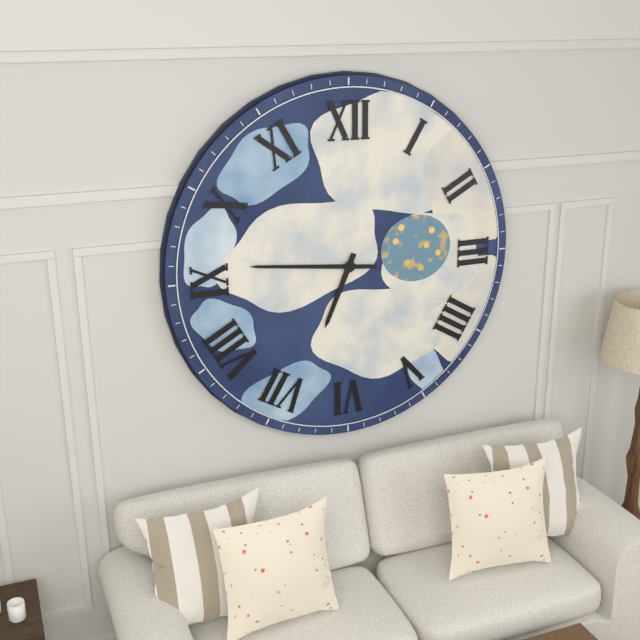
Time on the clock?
6:46
